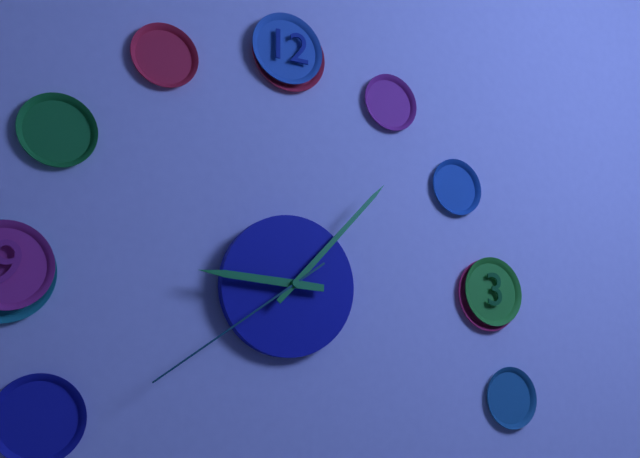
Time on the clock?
9:07:39
